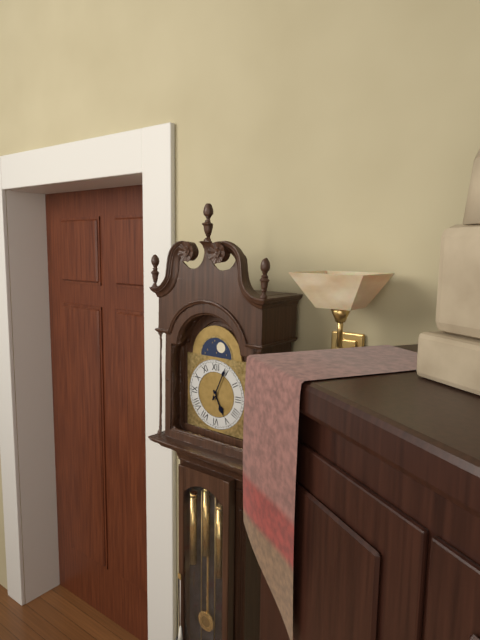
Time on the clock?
5:04
